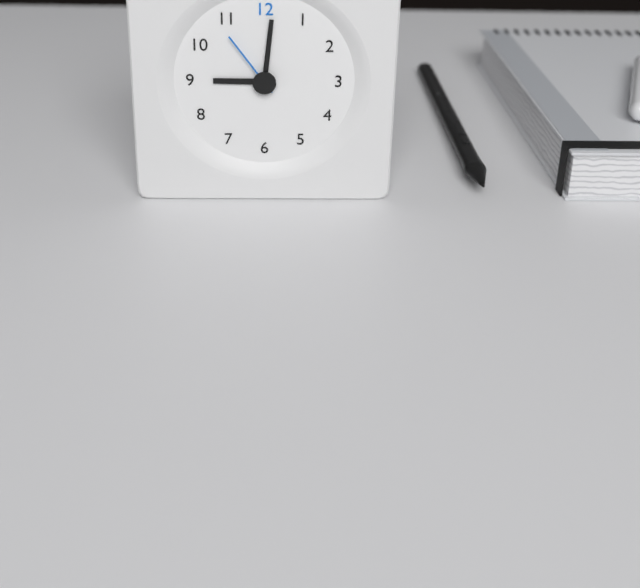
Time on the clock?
9:01:54
